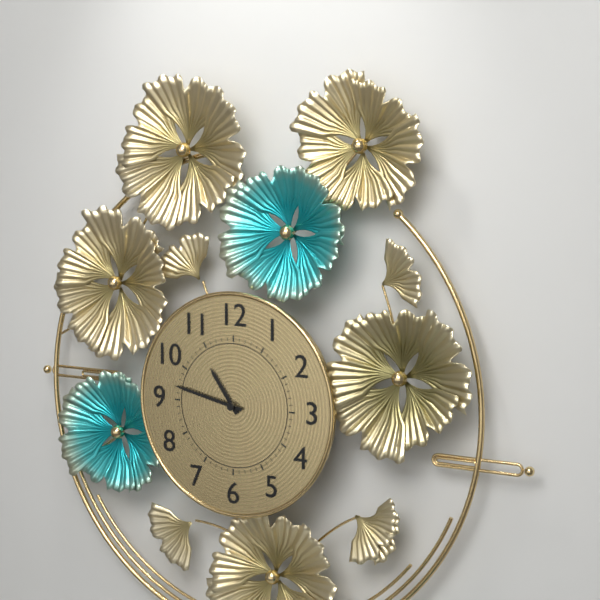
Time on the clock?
10:47
